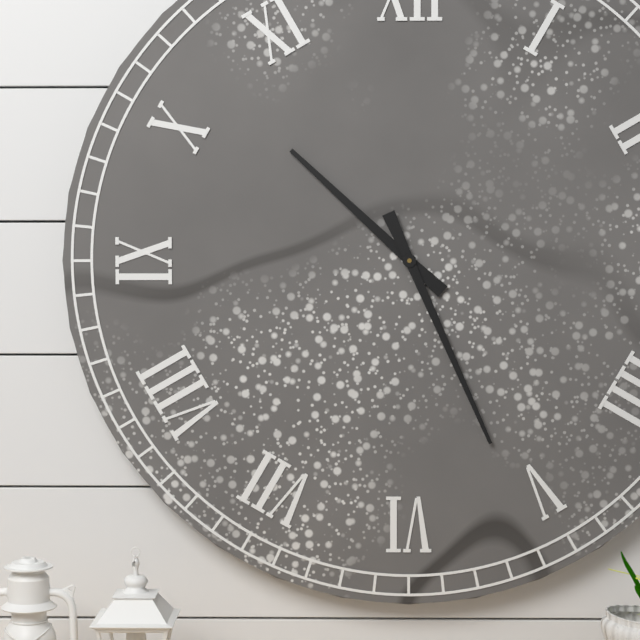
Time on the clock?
10:26
